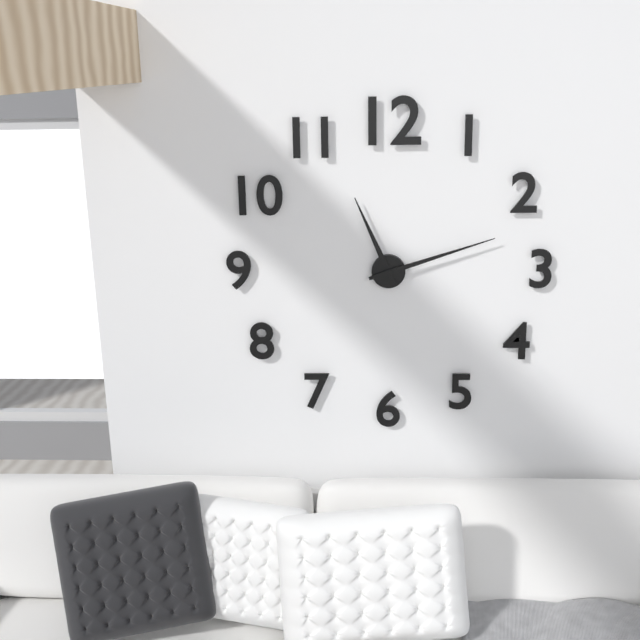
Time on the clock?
11:12
